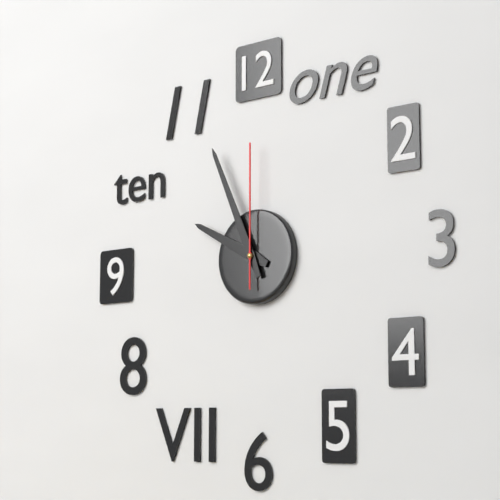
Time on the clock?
9:56:00
